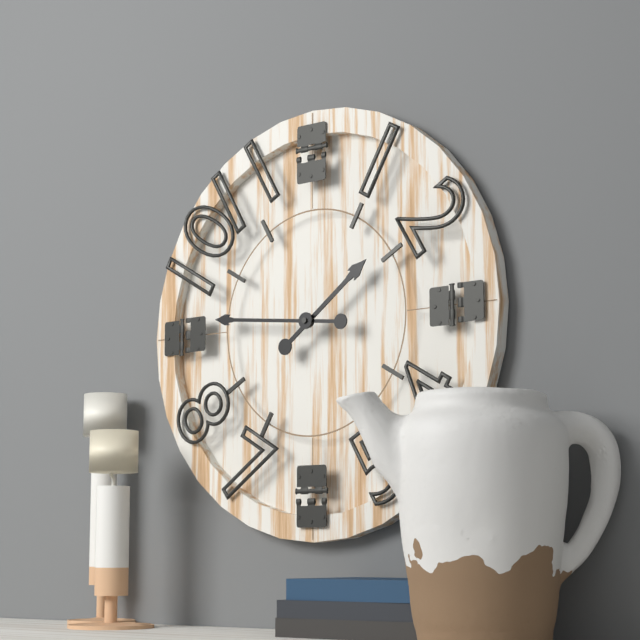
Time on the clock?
1:46
